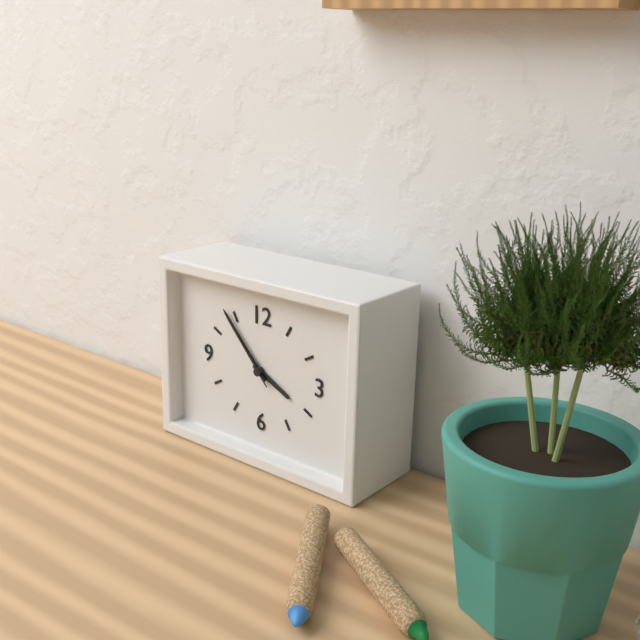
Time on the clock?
3:53:53
